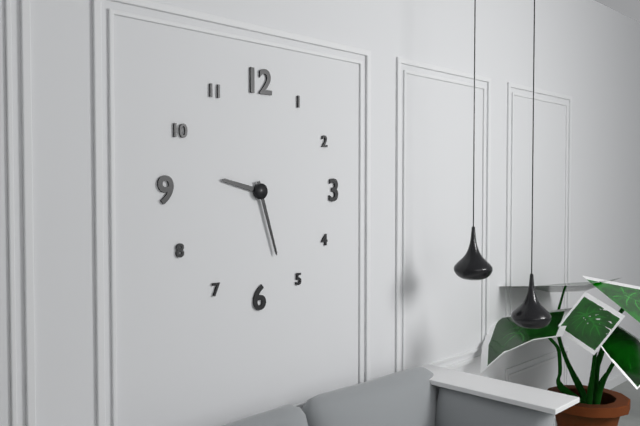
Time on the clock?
9:27
